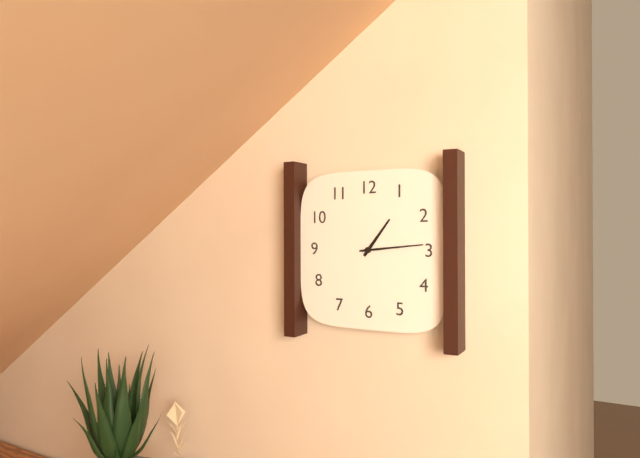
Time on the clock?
1:14
